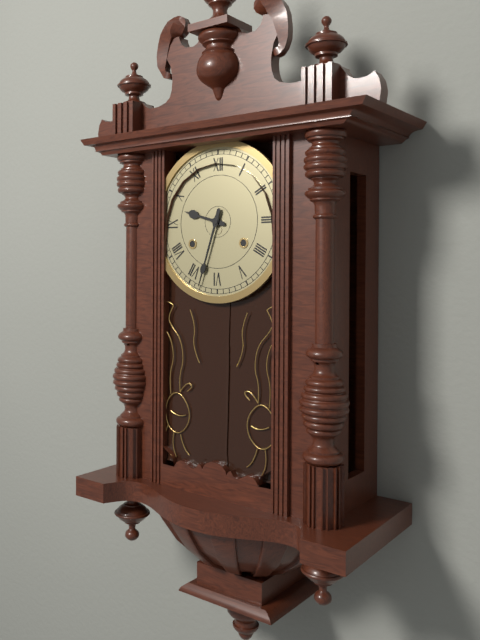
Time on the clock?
9:33
